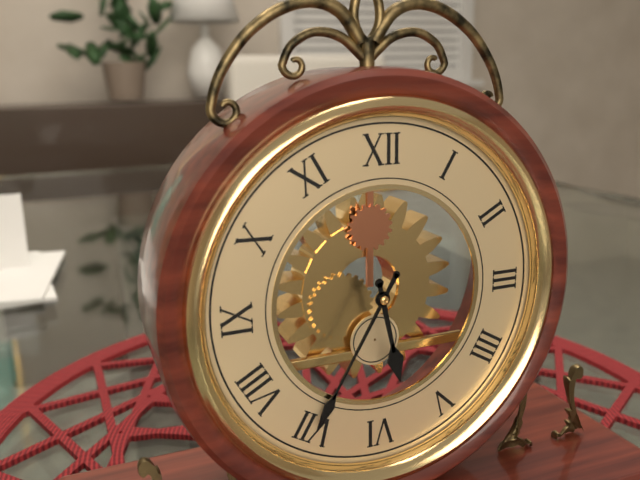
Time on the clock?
5:35
